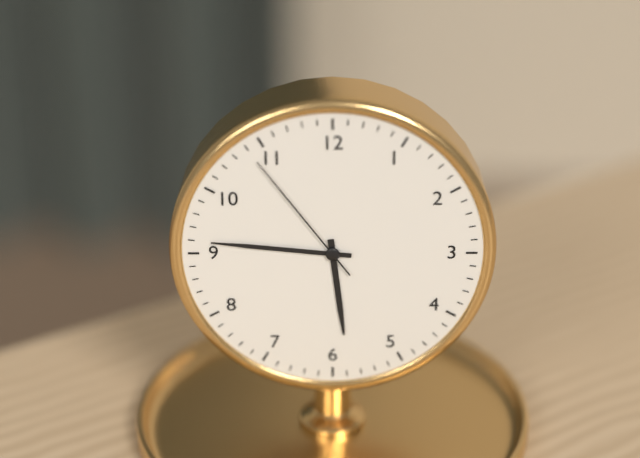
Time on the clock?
5:46:54
